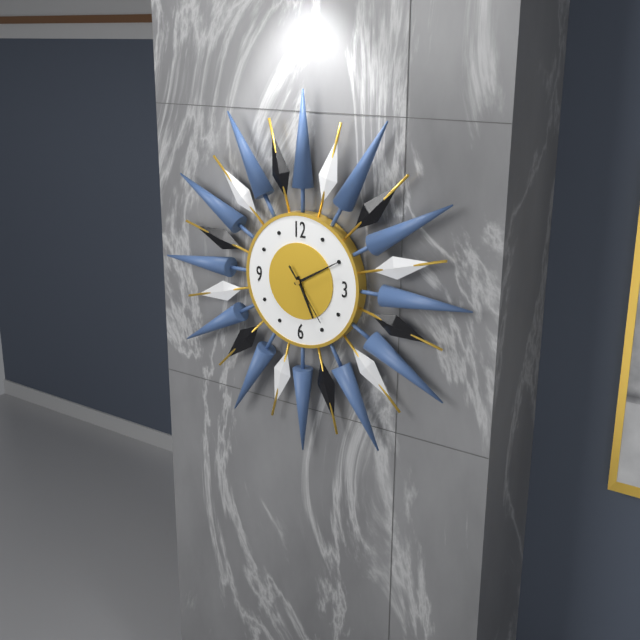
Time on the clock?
5:10:24
